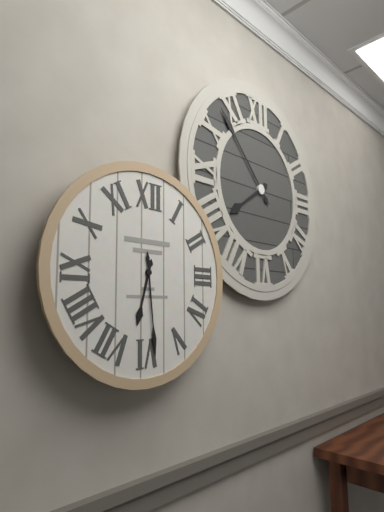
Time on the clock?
6:29
